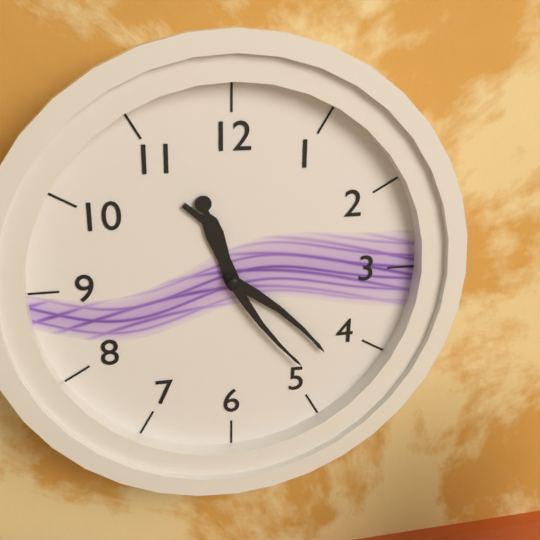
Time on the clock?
11:22:24
